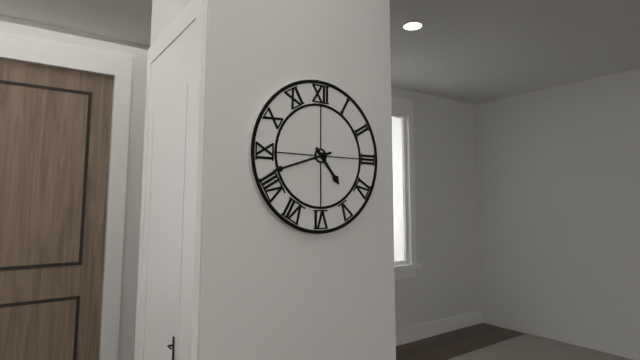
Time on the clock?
4:42
